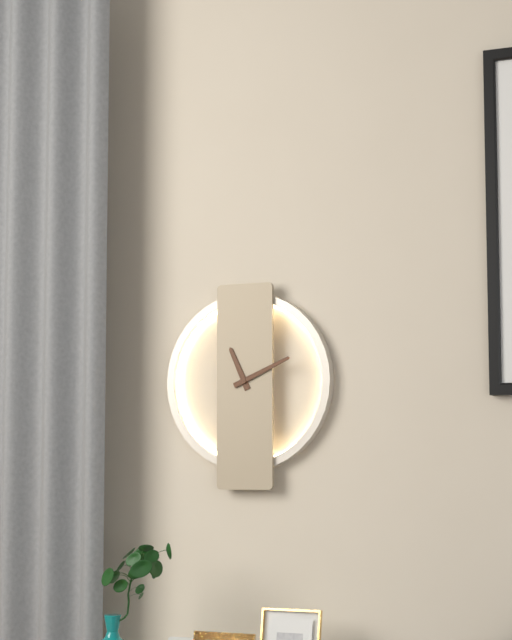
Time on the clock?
11:11
